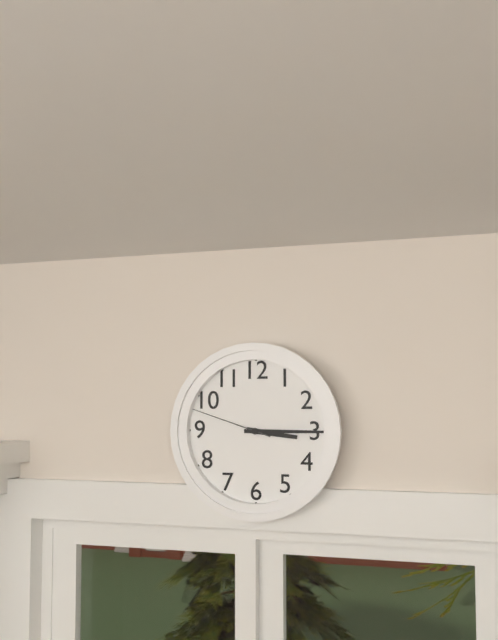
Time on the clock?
3:15:48
